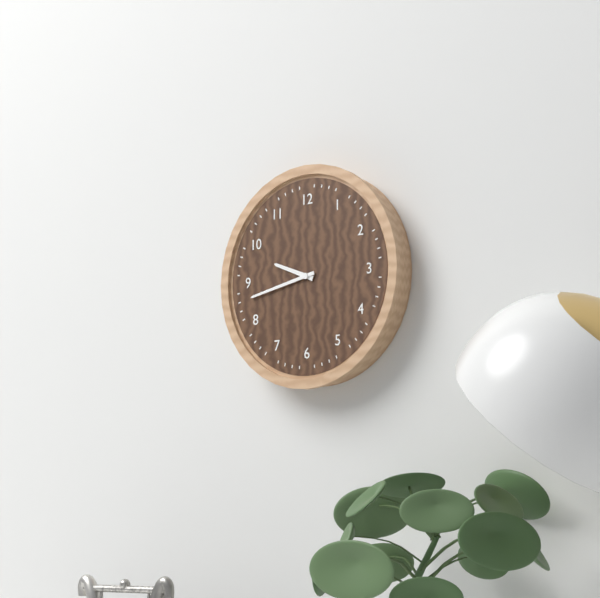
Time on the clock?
9:43
